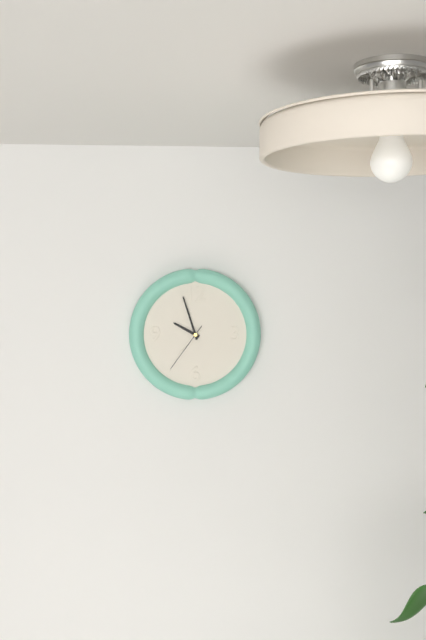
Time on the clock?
9:57:36
